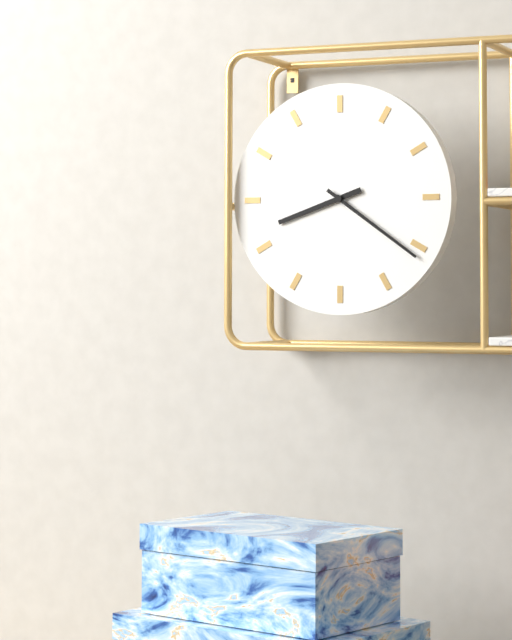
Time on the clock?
8:21
